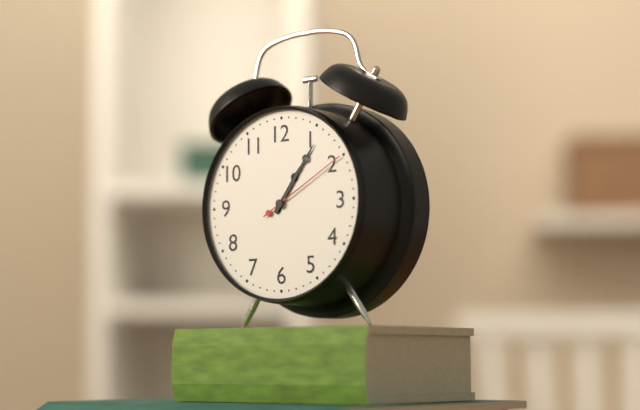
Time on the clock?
1:06:10
